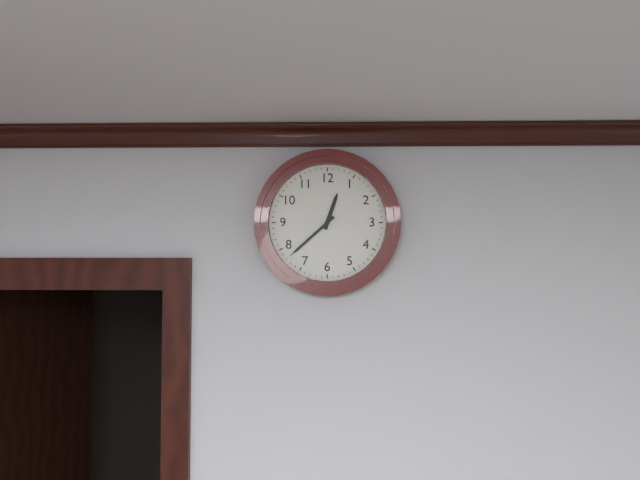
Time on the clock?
12:38
